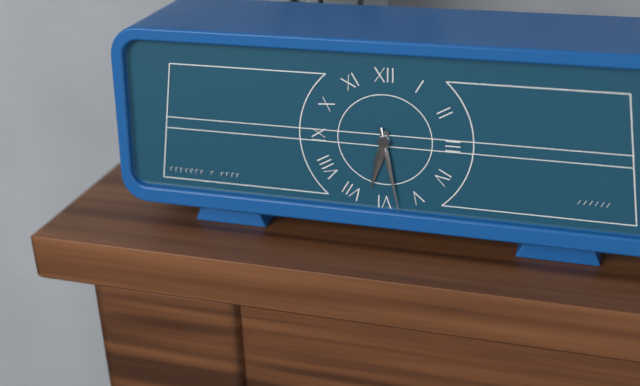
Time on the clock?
6:28
